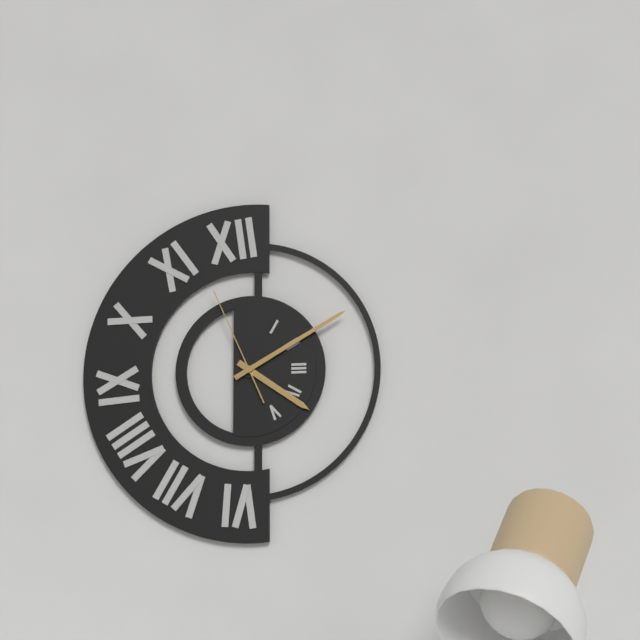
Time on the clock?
4:10:56
